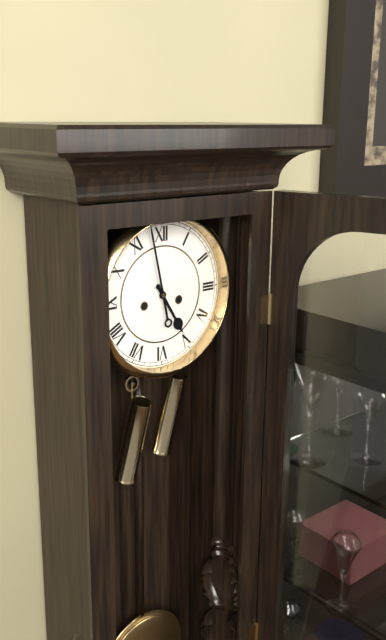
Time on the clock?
4:58
